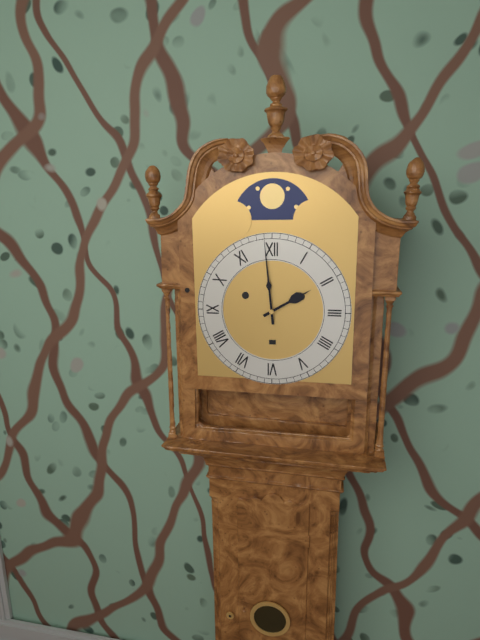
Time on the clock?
1:59
